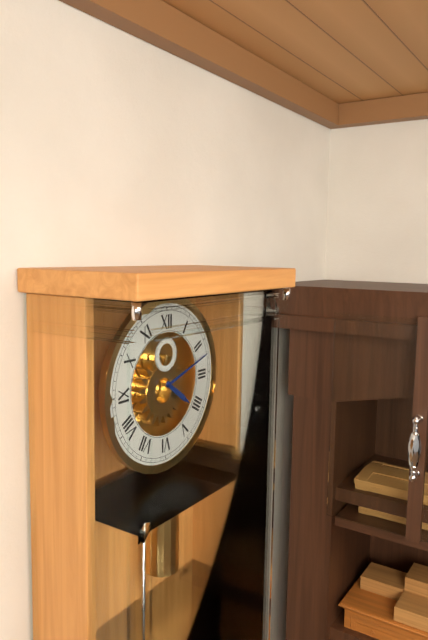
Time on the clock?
4:12
